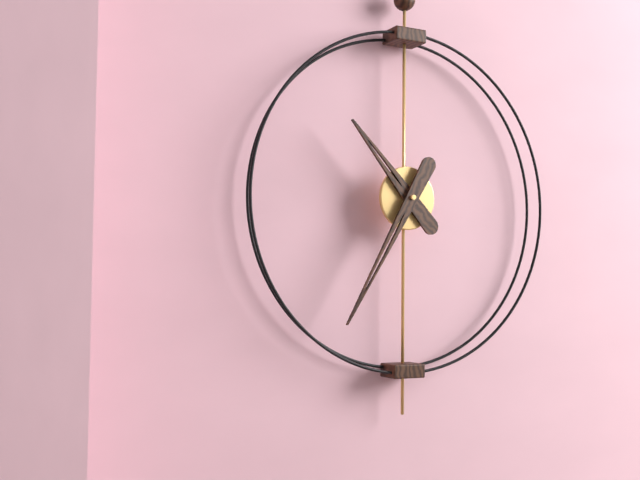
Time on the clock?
10:35
